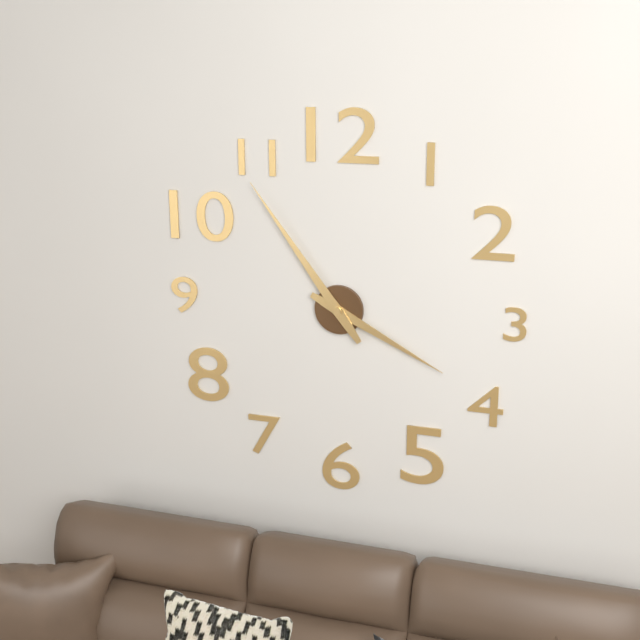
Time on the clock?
3:54
